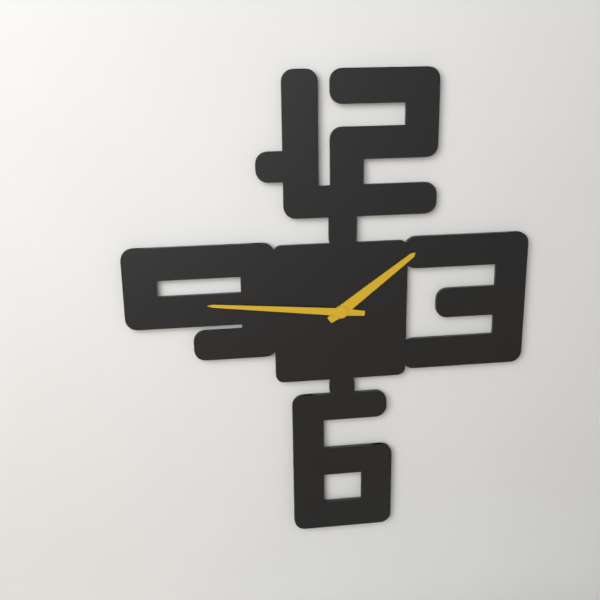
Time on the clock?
1:46
